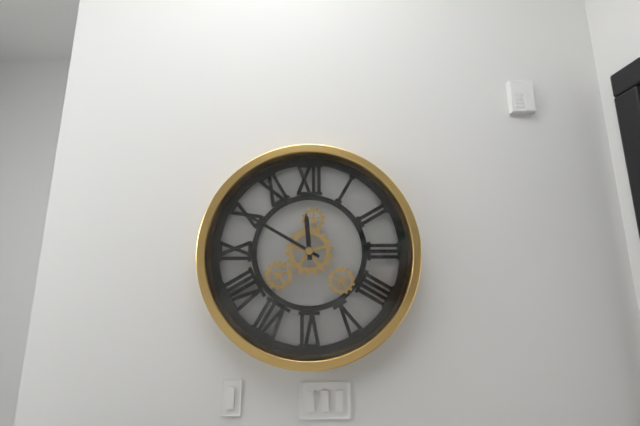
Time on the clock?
11:50
